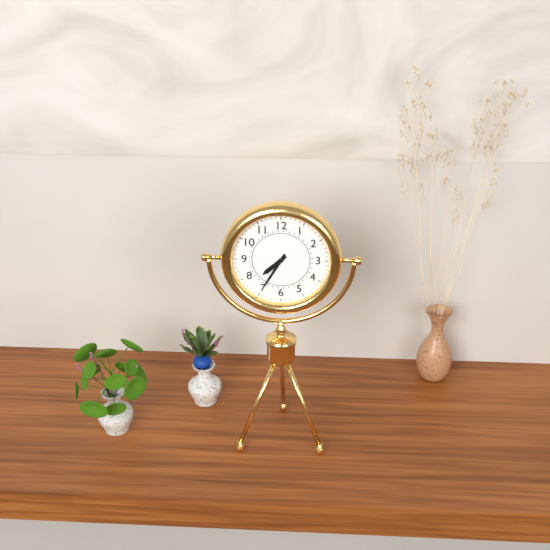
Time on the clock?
7:35
